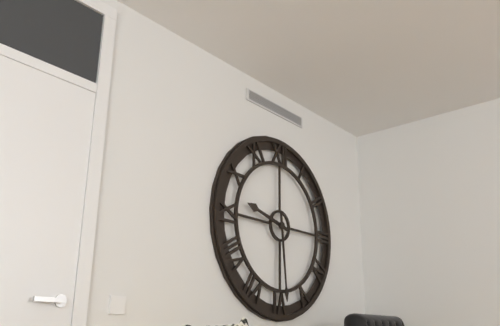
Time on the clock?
9:29
